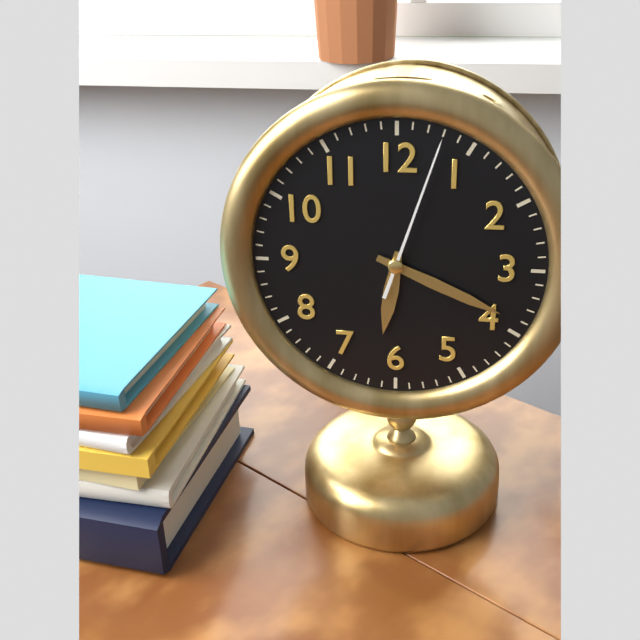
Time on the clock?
6:19:03
